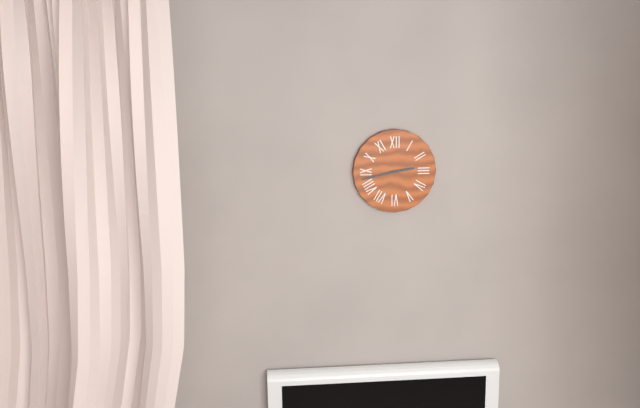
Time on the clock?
2:43
